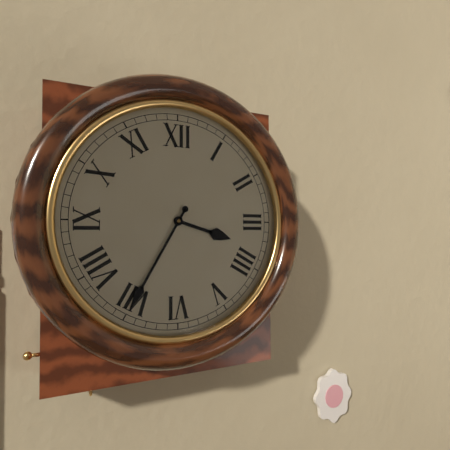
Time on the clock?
3:35
